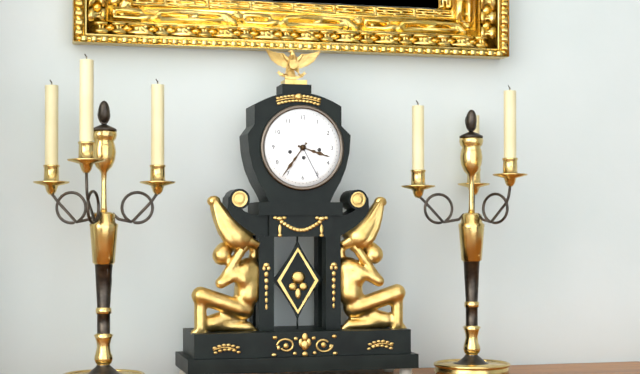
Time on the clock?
3:36
